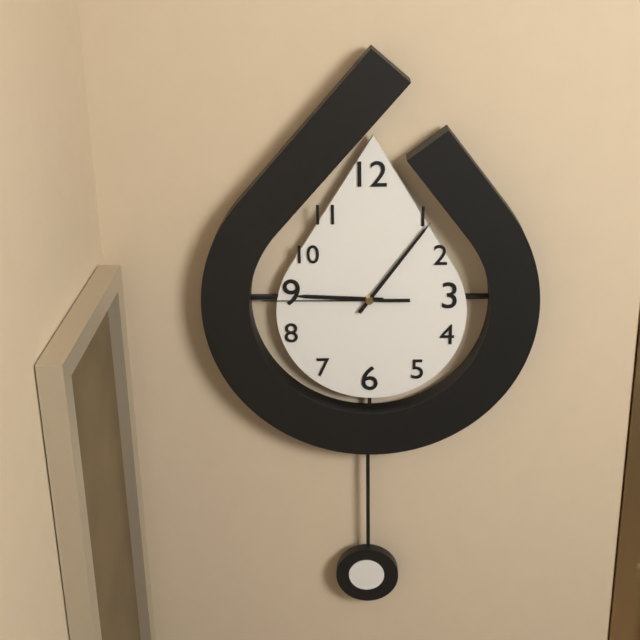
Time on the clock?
9:06:45
